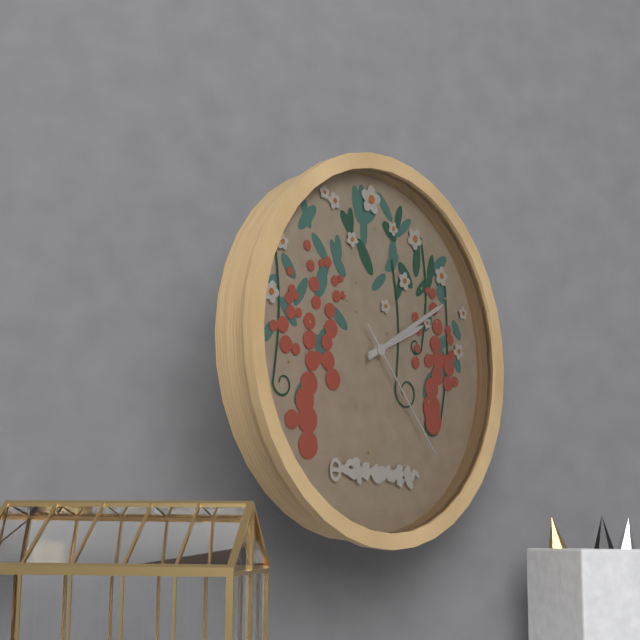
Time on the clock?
2:10:23
